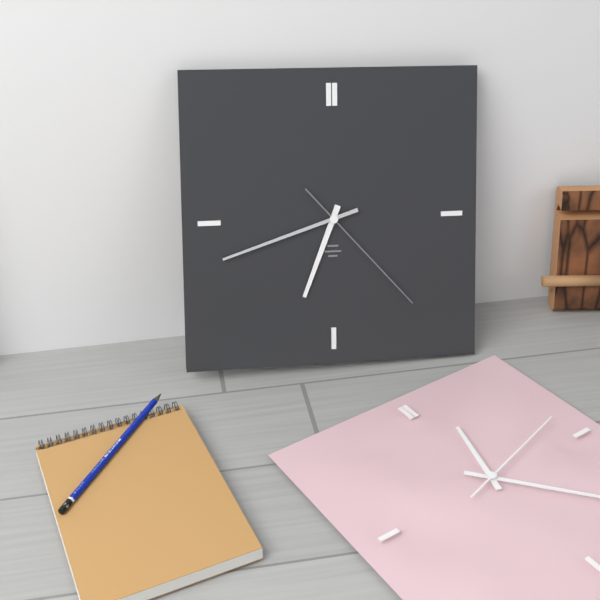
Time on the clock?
6:42:23
